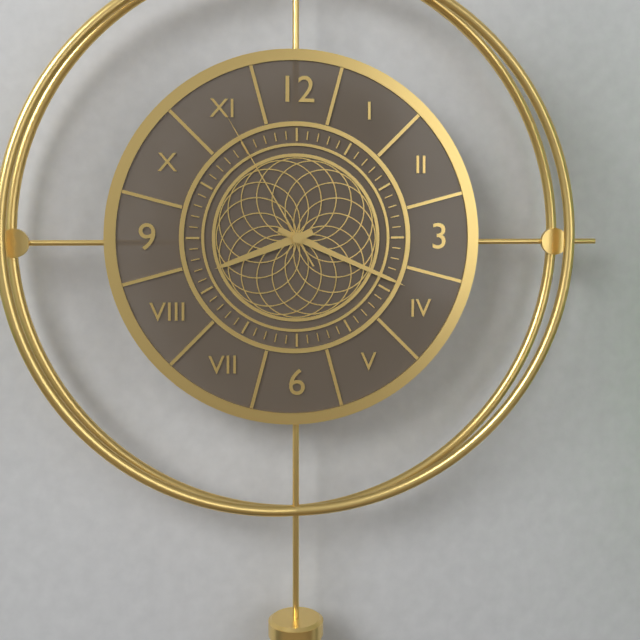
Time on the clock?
8:19:55
